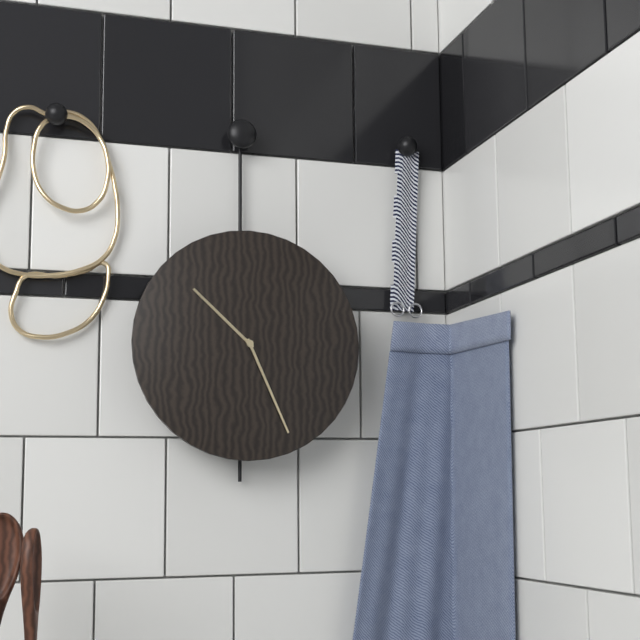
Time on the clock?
10:26
